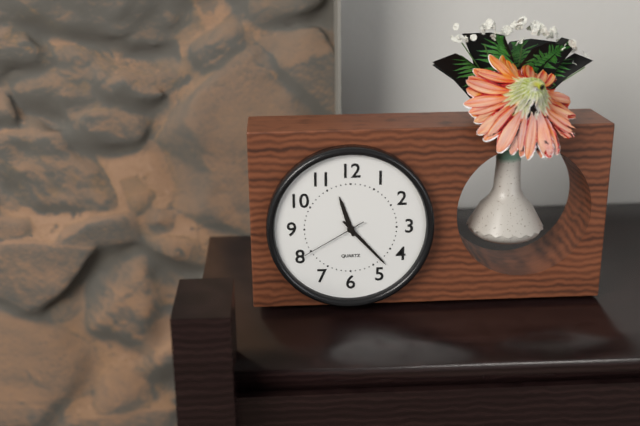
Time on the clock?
11:23:40
